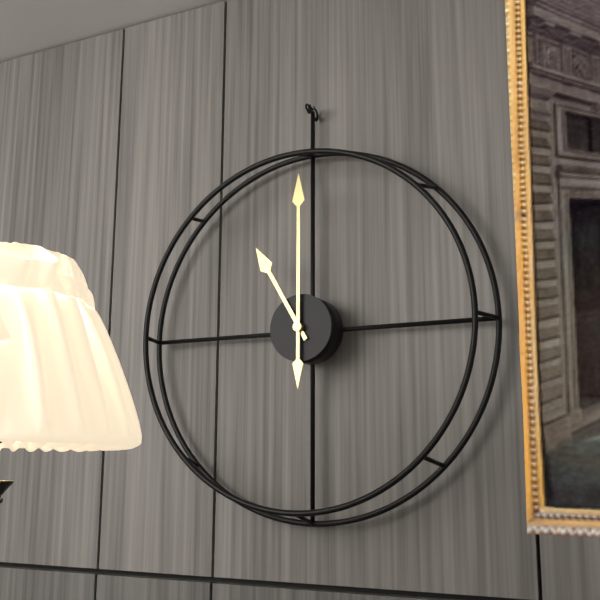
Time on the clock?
11:00
